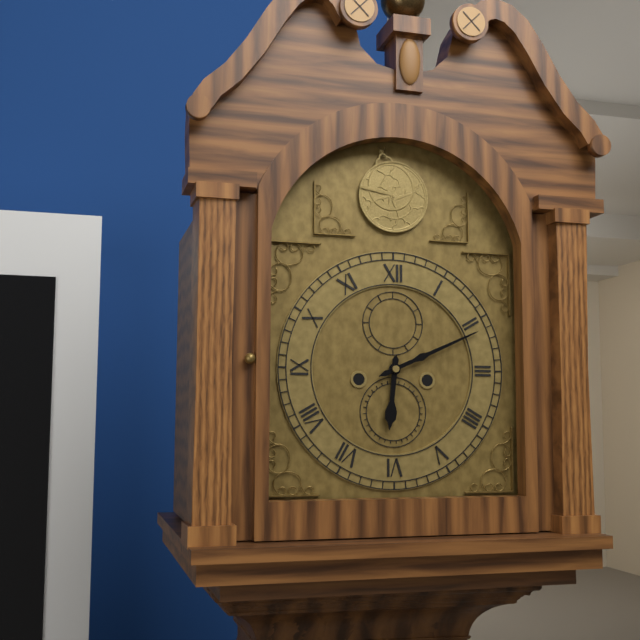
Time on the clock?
6:11
